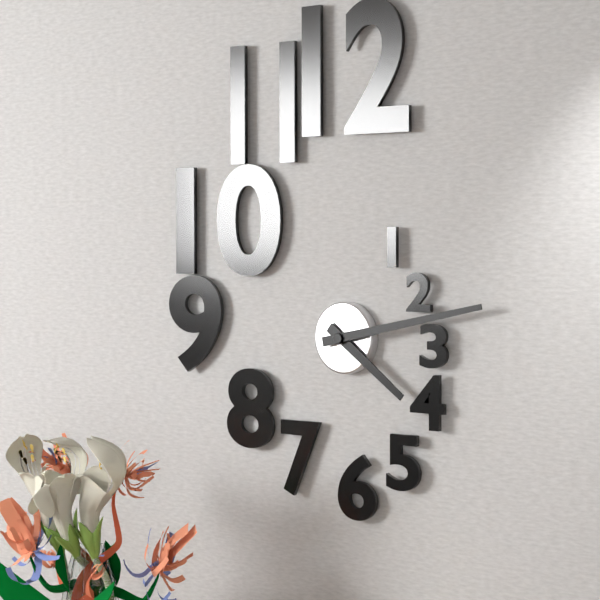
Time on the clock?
4:13
